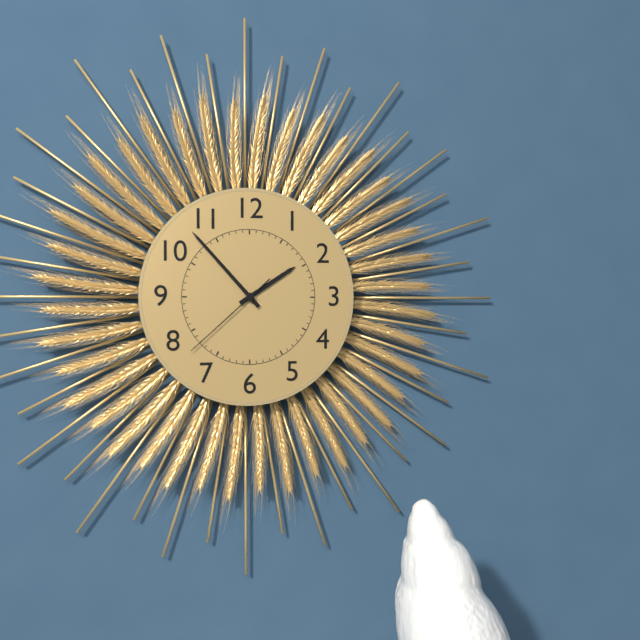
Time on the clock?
1:53:38
